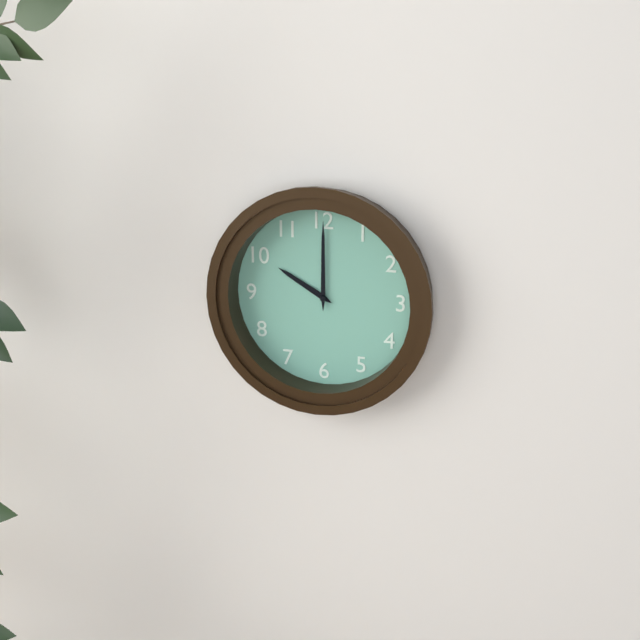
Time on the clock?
10:00
